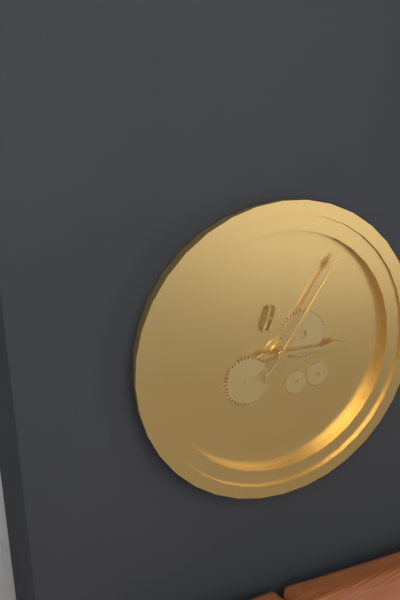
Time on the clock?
3:06
